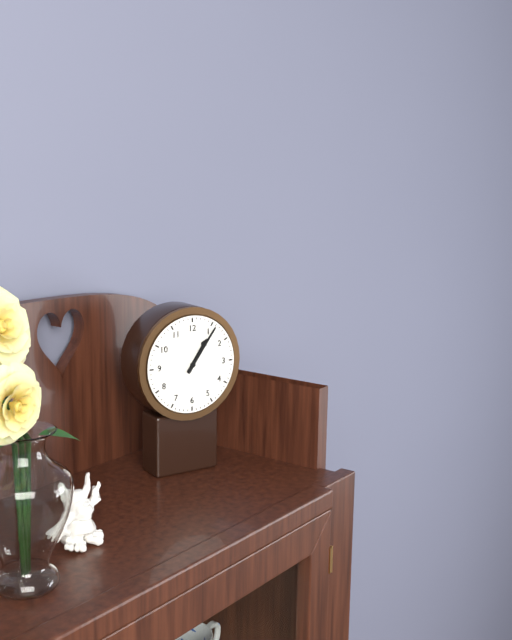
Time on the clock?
1:06
